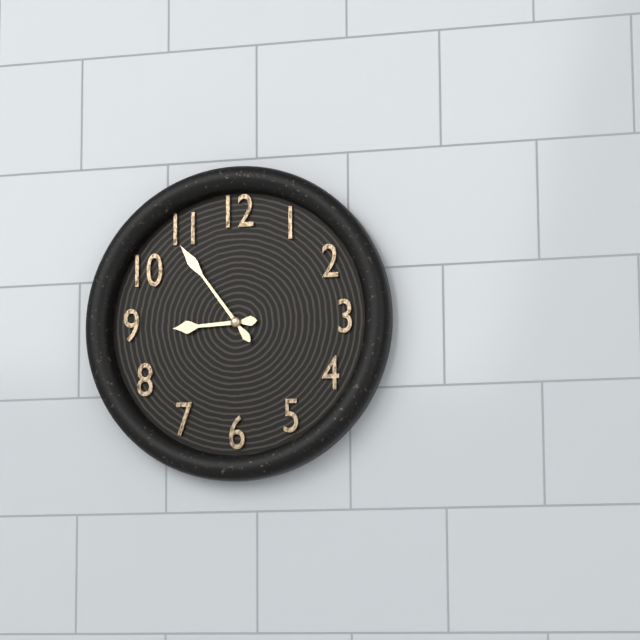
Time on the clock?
8:54
